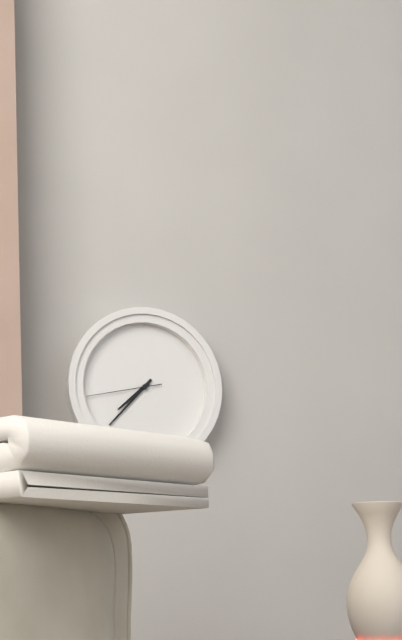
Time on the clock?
7:37:43
